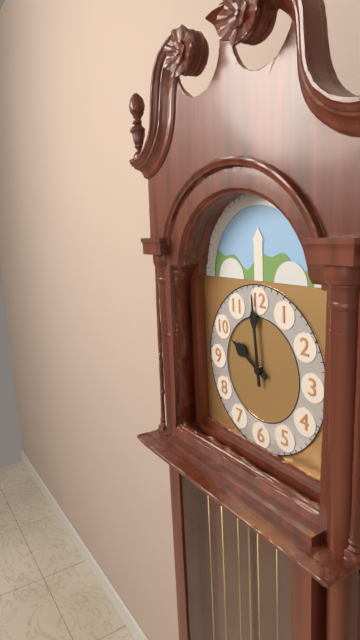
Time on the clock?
9:59
